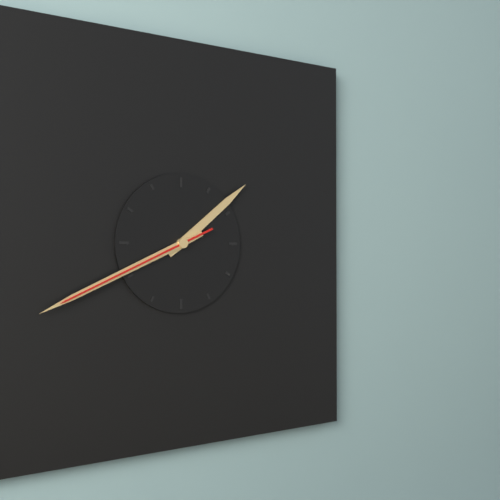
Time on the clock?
1:41:41
